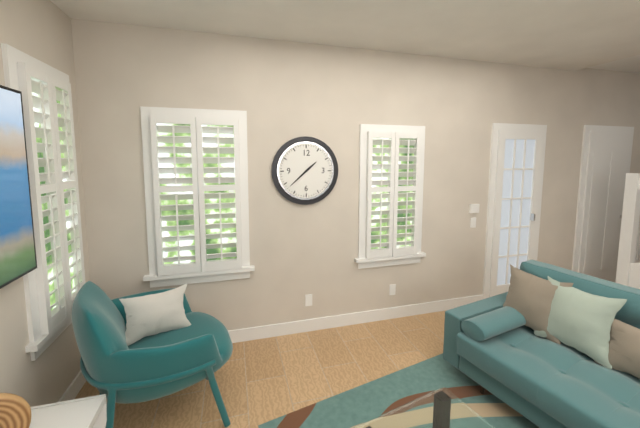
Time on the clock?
1:38
